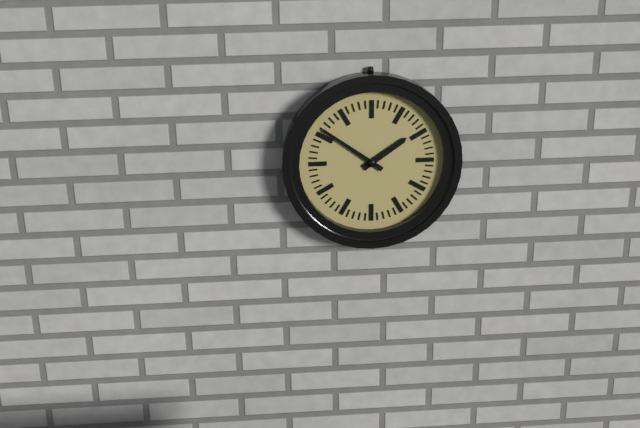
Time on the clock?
1:51
